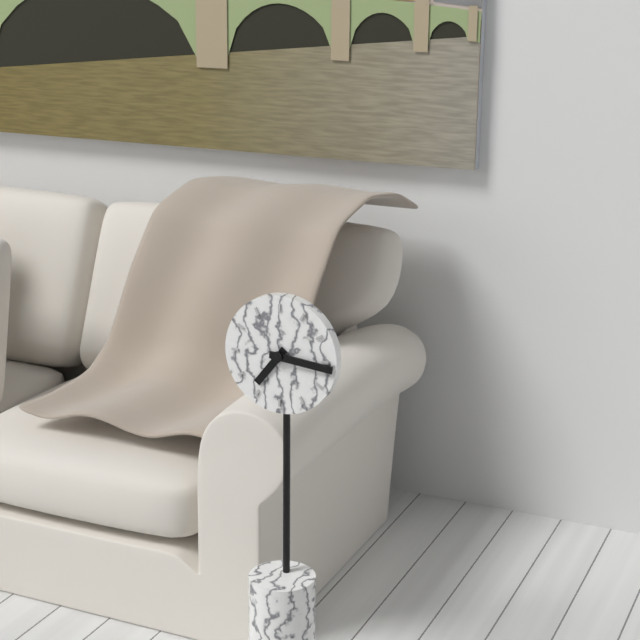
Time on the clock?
7:16
